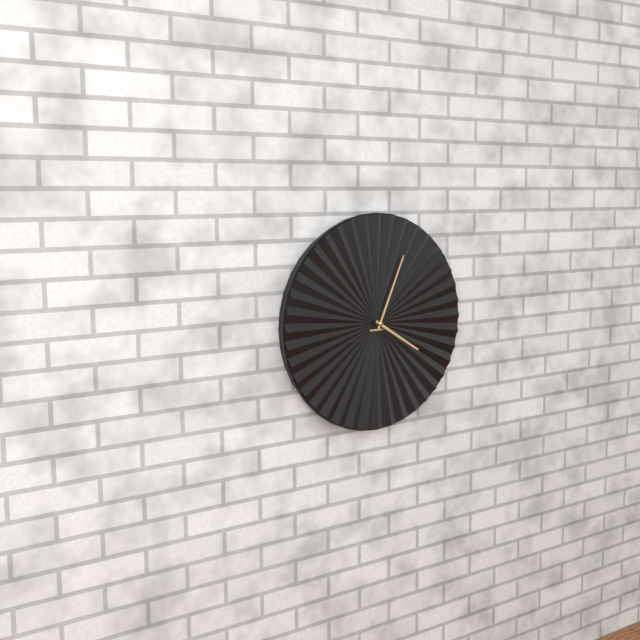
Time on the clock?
4:04
